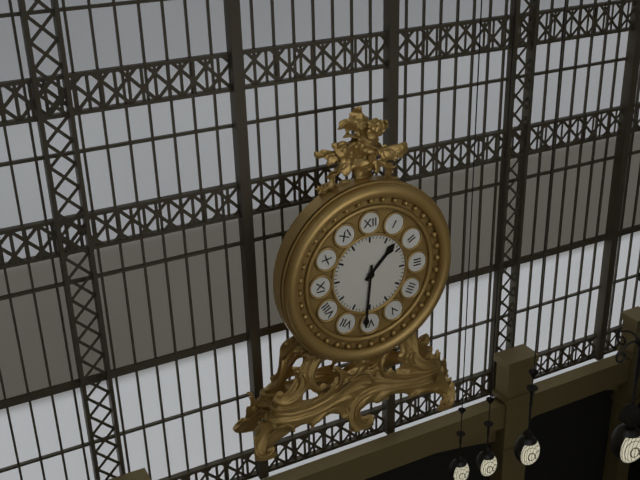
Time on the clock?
1:31
